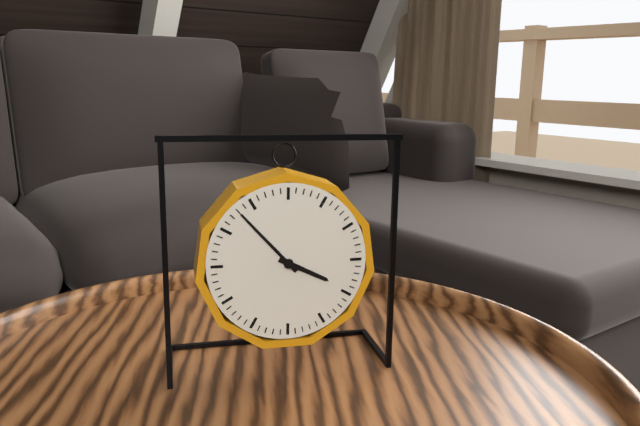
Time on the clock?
3:53
